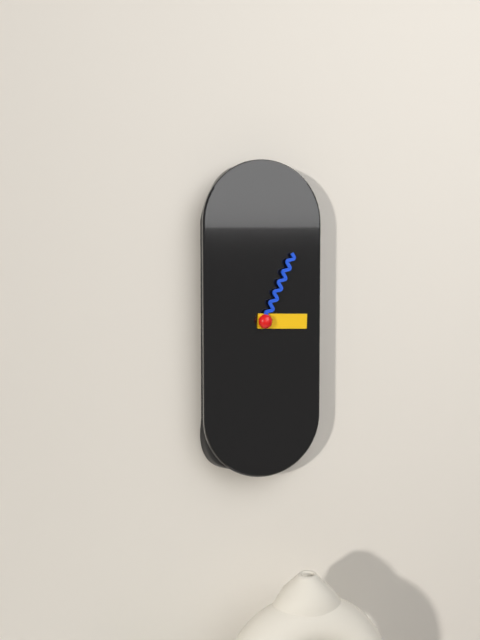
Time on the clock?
3:04
